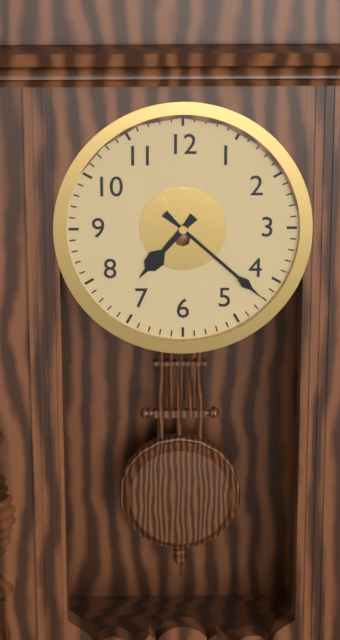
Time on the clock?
7:22
